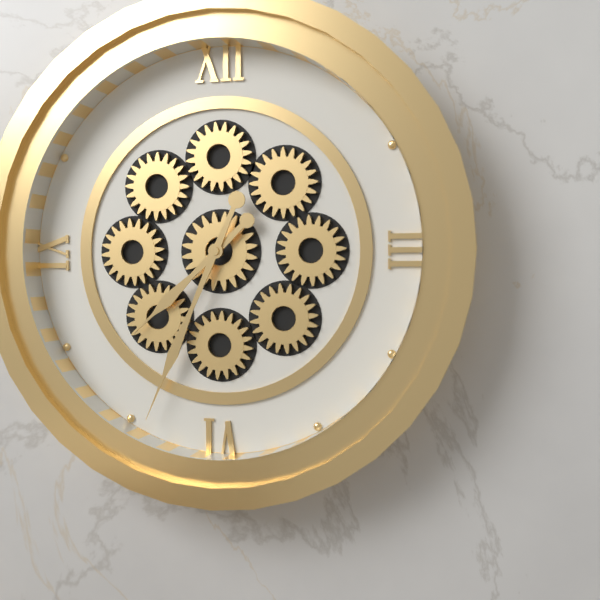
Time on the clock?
7:34
